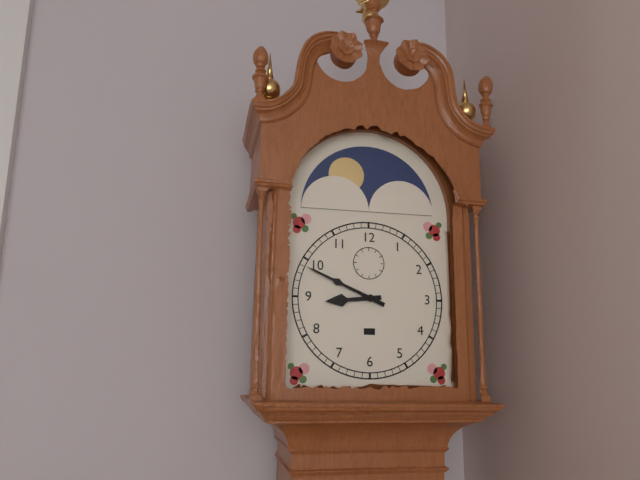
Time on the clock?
8:49
